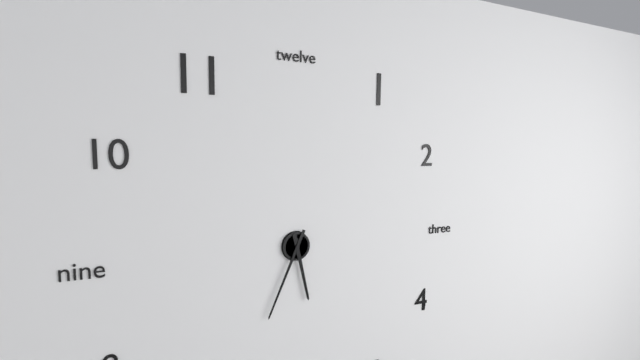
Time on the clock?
5:34
